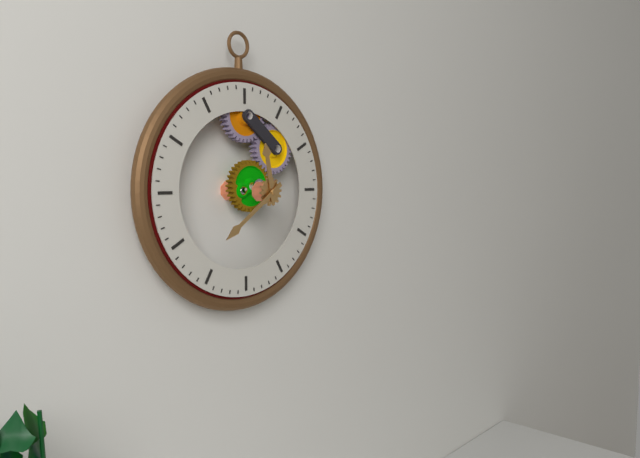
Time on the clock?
11:39
